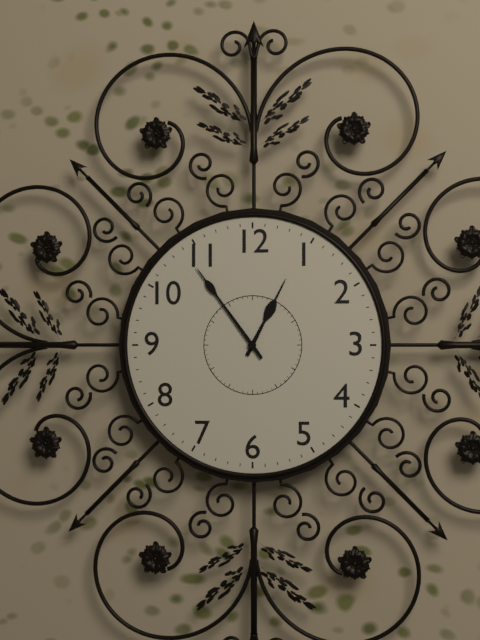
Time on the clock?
12:54
